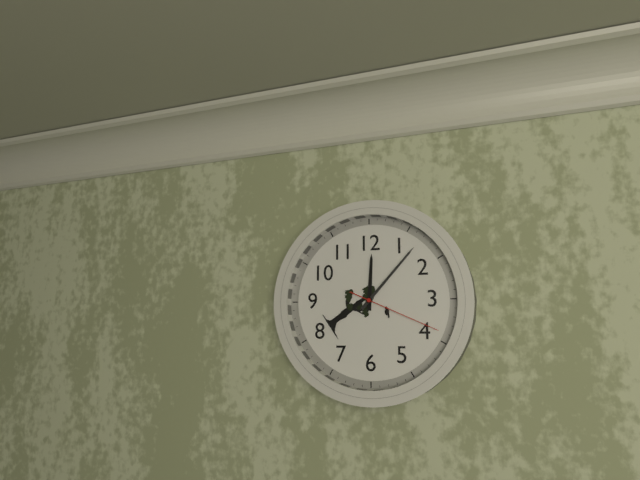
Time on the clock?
12:07:19
